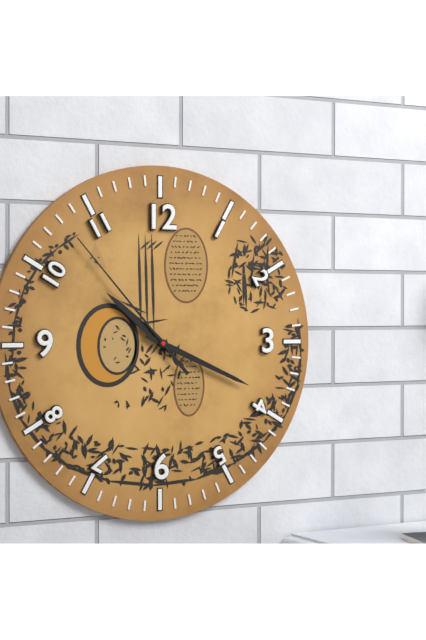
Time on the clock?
10:19:53
